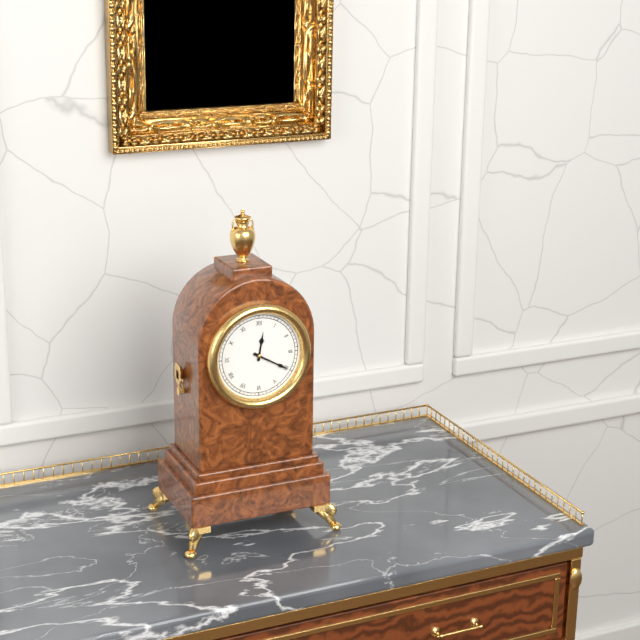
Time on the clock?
12:20
